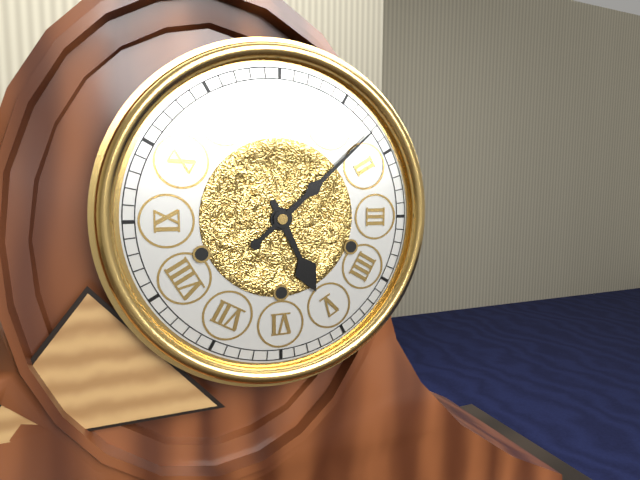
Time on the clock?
5:08
